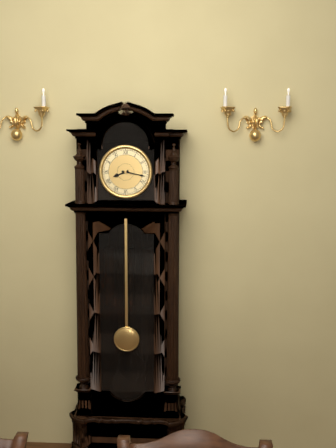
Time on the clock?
8:17
